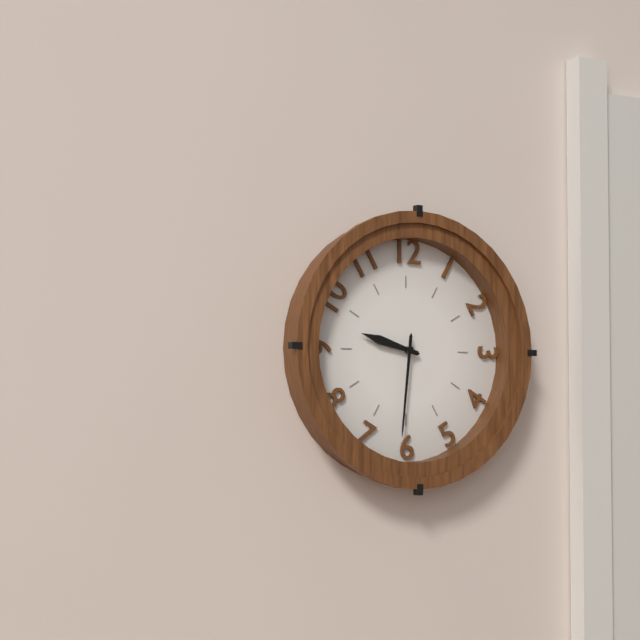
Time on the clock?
9:31
